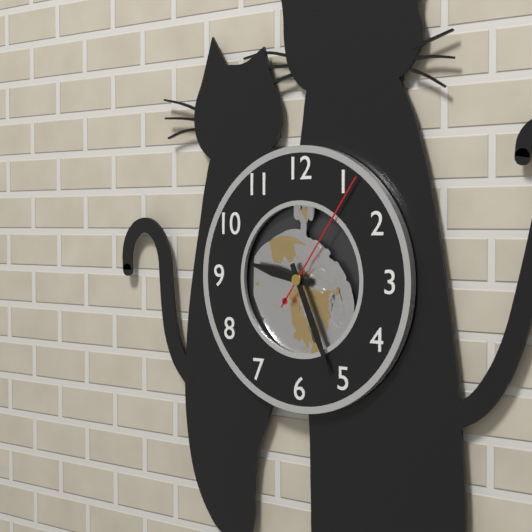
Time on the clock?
9:26:06
